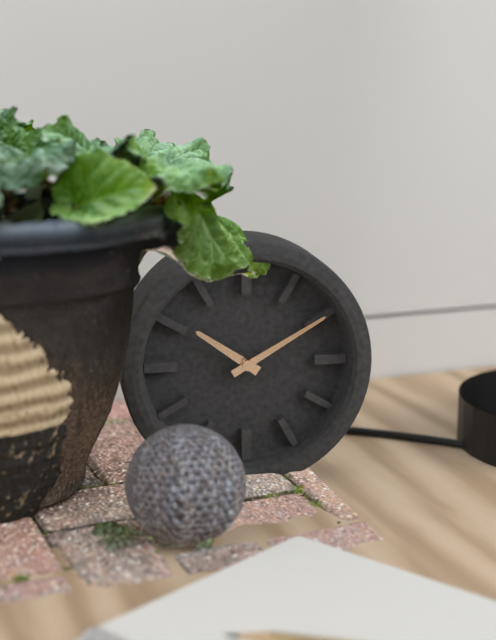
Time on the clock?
10:10
